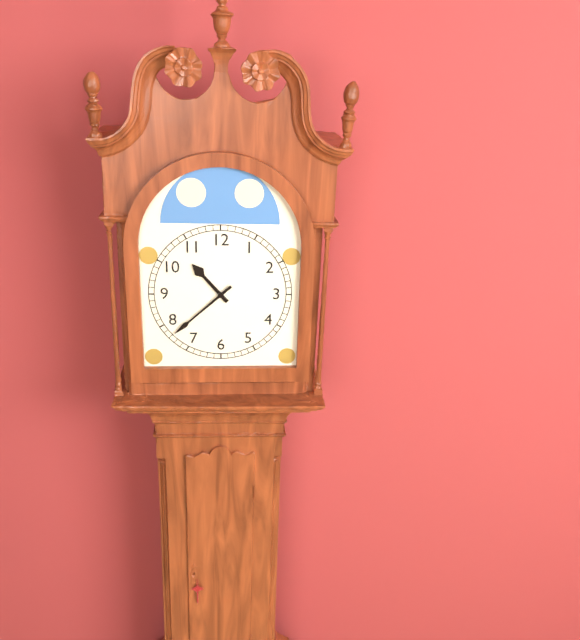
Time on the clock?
10:38
